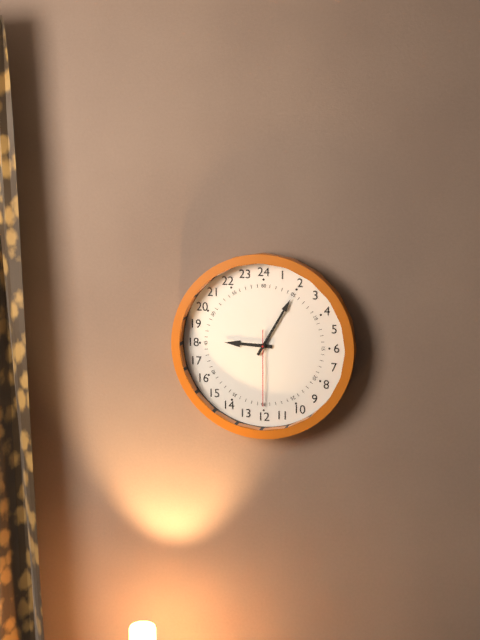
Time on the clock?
9:05:30
